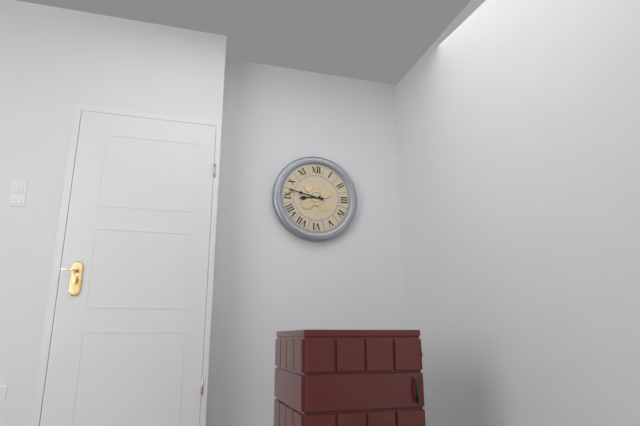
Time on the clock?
8:47
